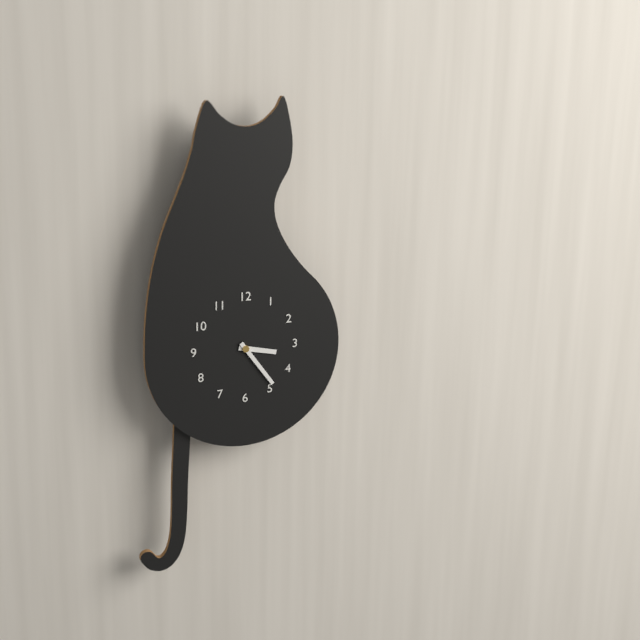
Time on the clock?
3:24
